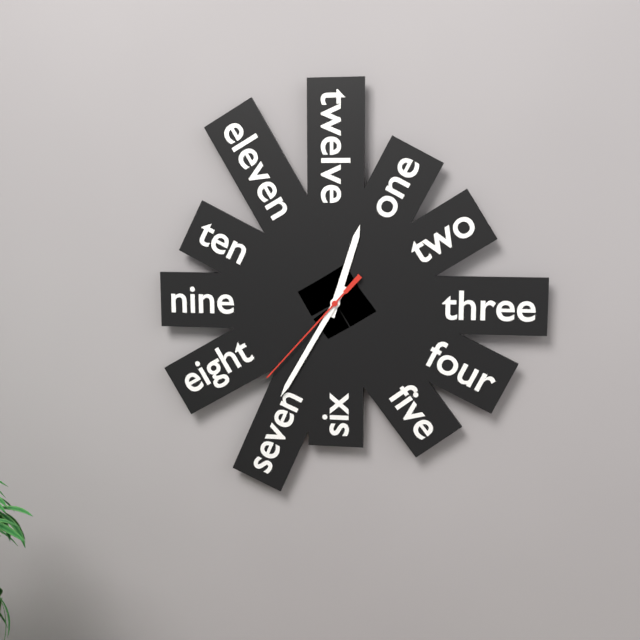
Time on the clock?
12:35:37
